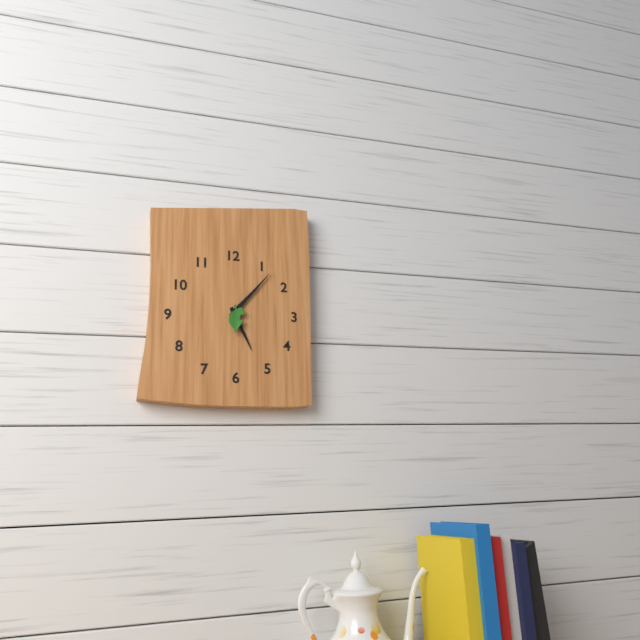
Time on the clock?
5:07
